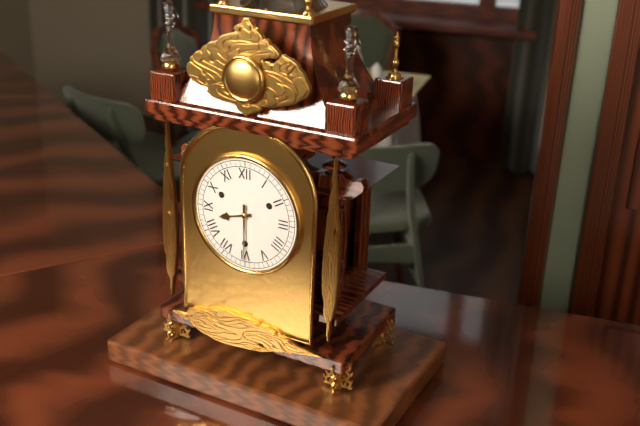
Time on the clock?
8:30
